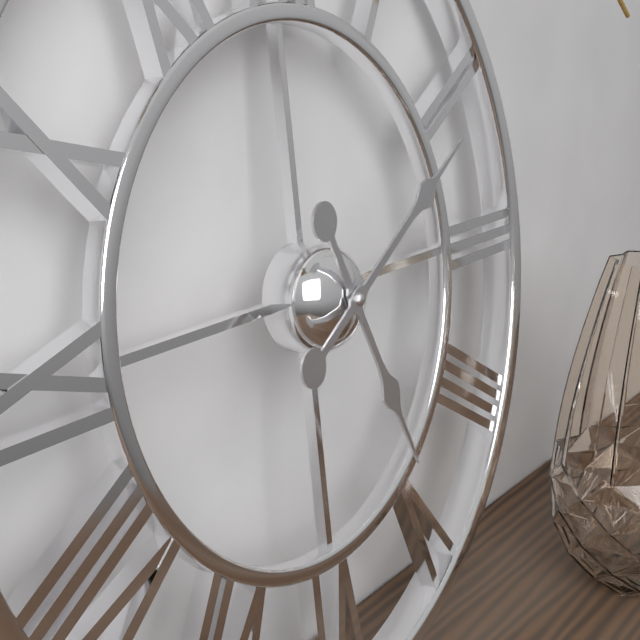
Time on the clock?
5:10
